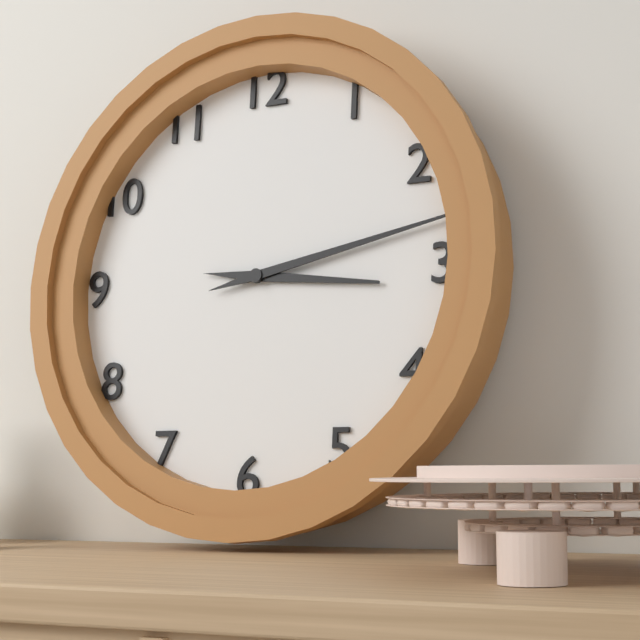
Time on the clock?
3:13
